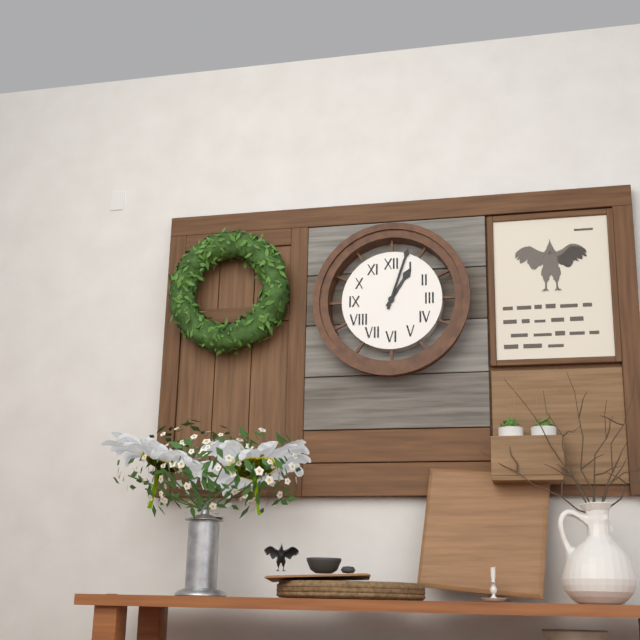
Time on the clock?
1:03
